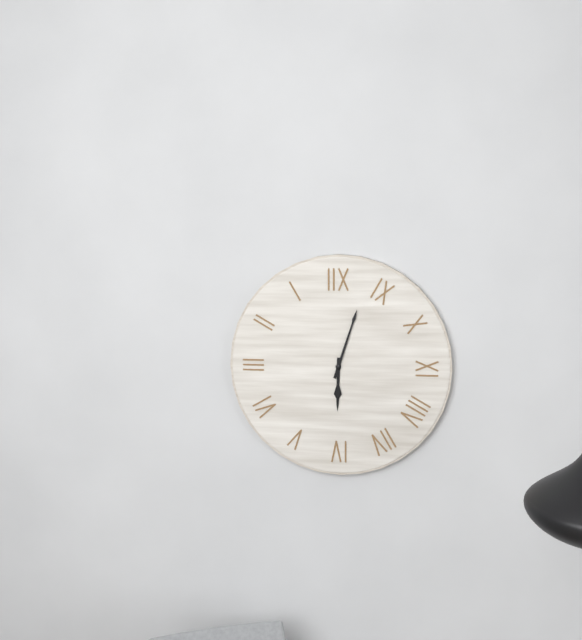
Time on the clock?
6:03
